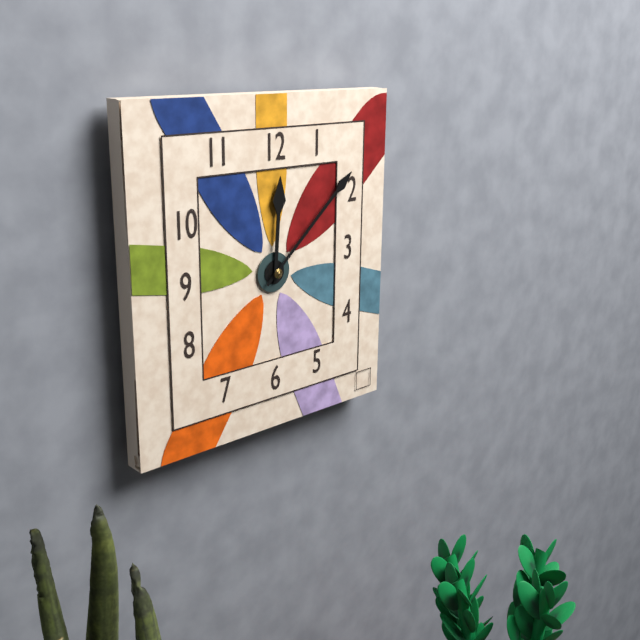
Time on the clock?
12:08
